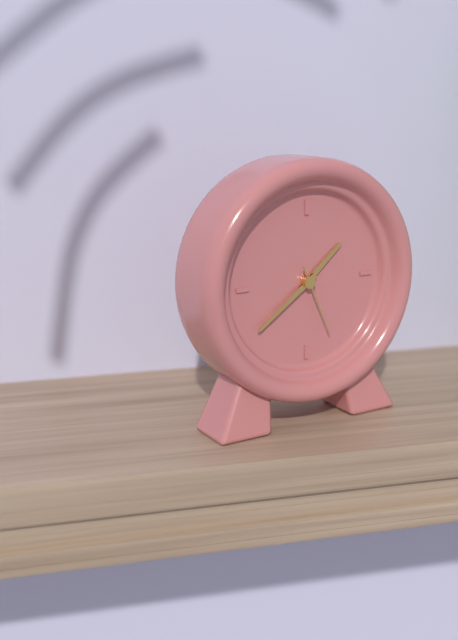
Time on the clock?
1:39:26
